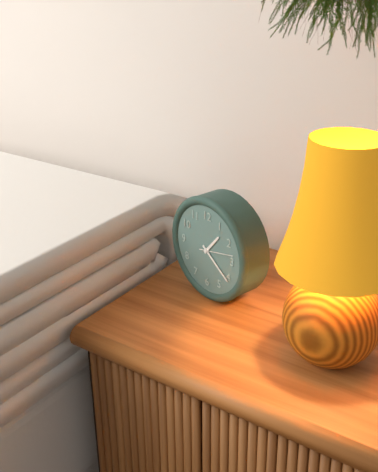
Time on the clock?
1:21
